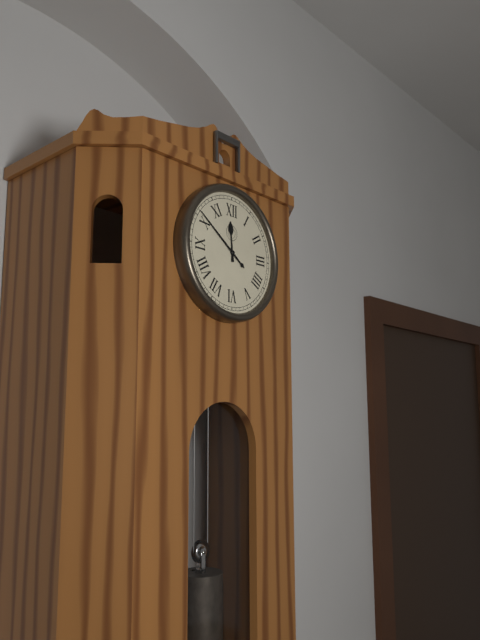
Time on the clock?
11:51
